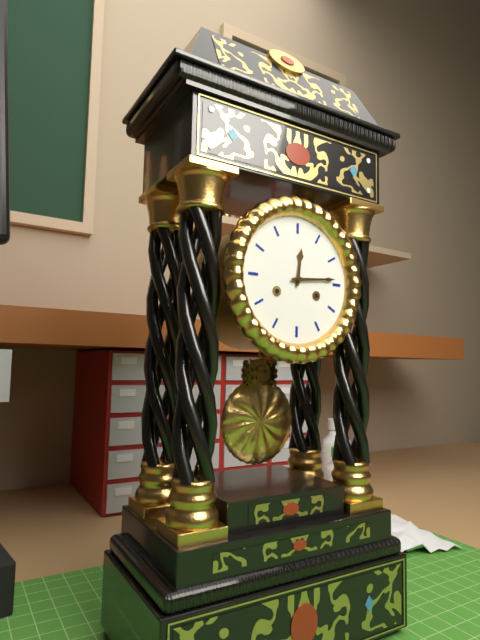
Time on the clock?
12:14
